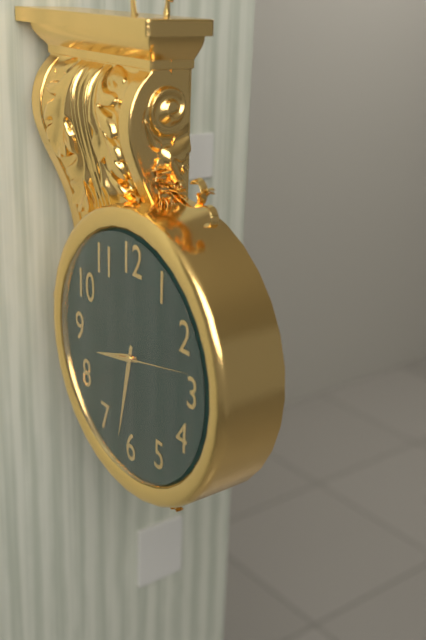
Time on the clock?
8:32:13
